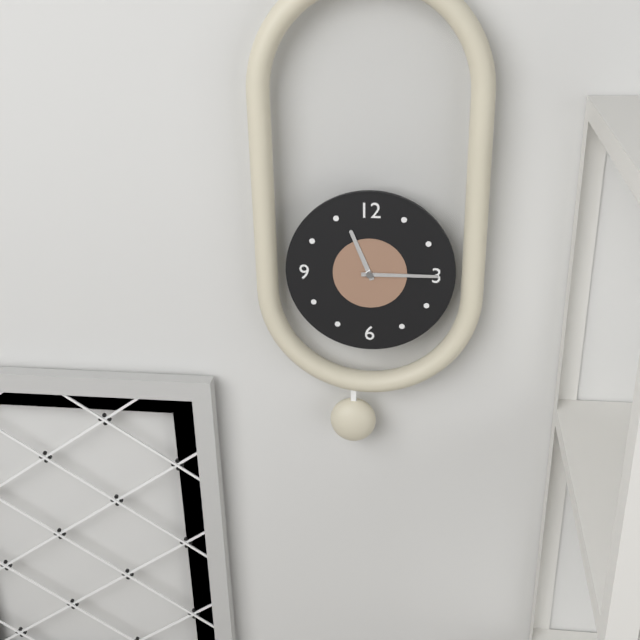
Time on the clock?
11:15
